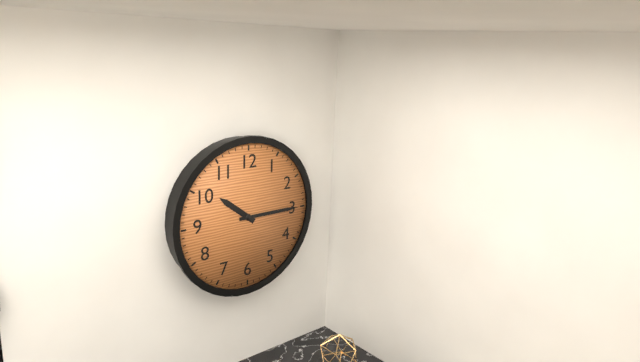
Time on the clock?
10:15
